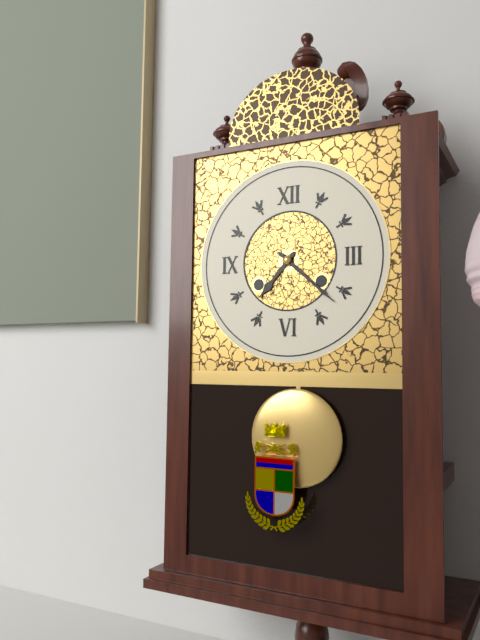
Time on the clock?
7:22
